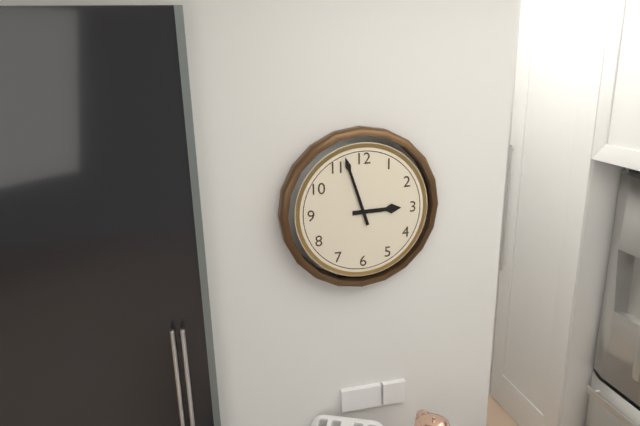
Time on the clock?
2:57
